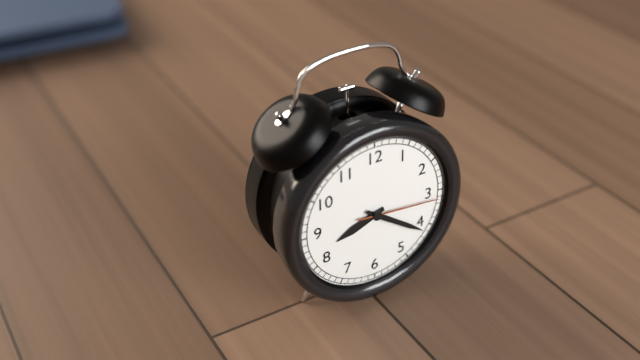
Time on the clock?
8:21:16
